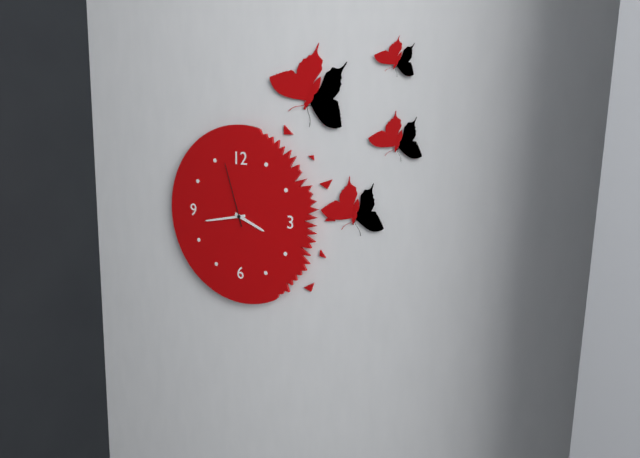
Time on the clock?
3:43:57
